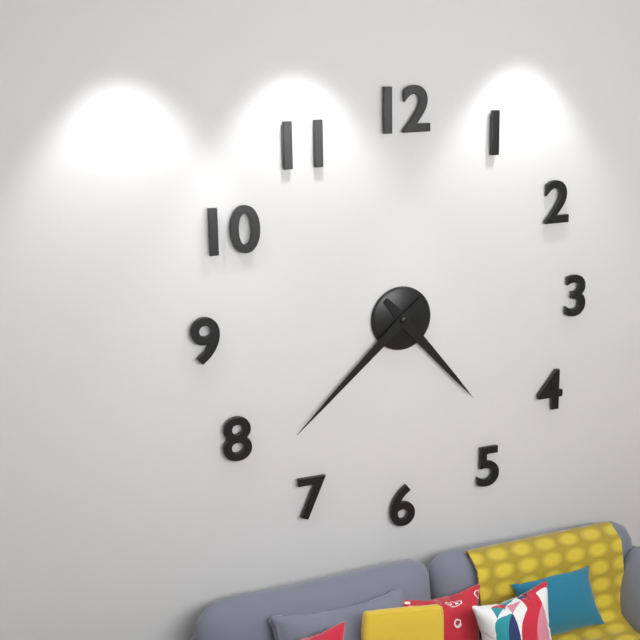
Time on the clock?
4:38
